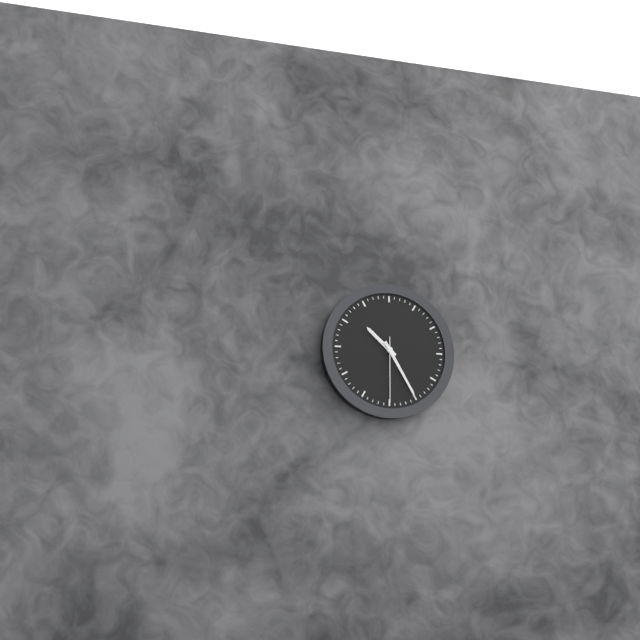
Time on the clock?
10:25:30
